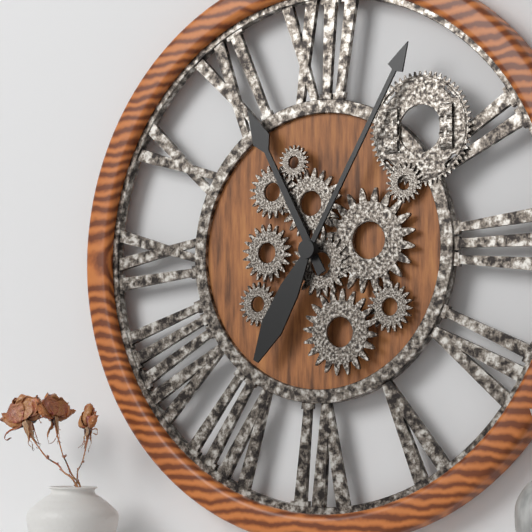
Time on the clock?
11:05
